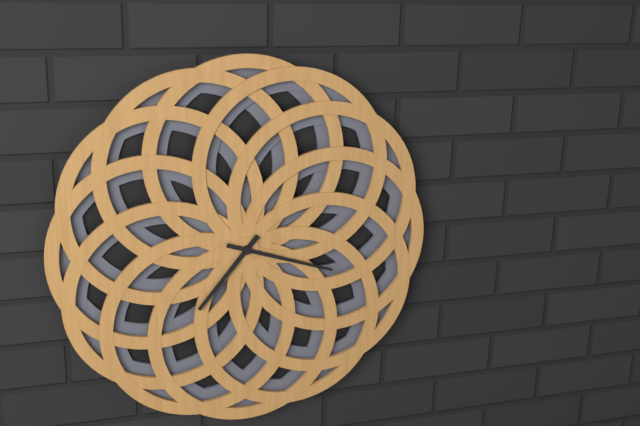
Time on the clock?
7:18
